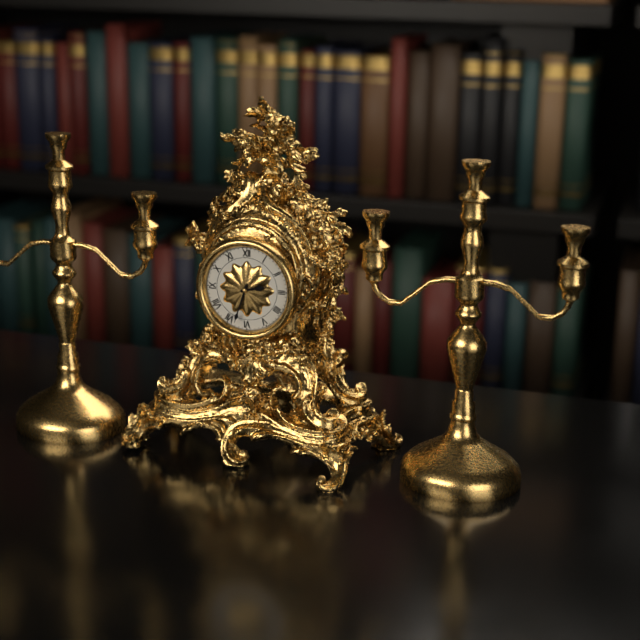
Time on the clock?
2:33
